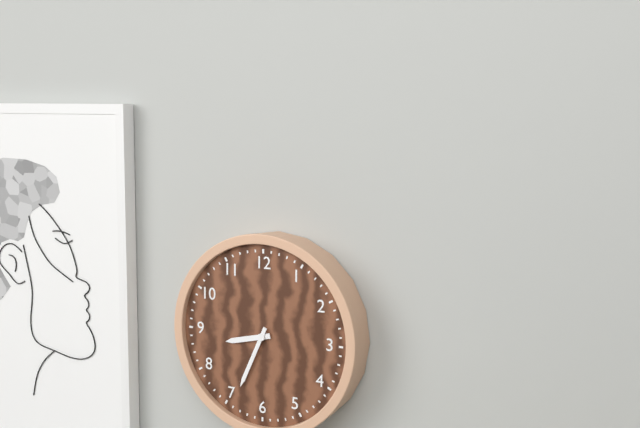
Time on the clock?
8:34
